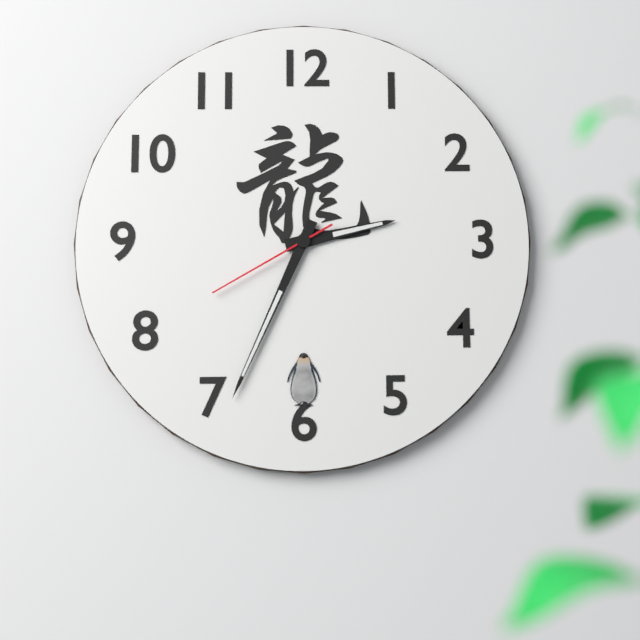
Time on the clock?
2:34:40
